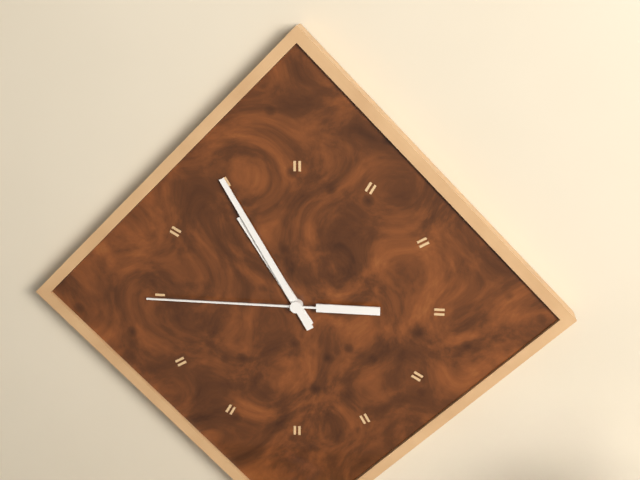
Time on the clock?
10:55:45
